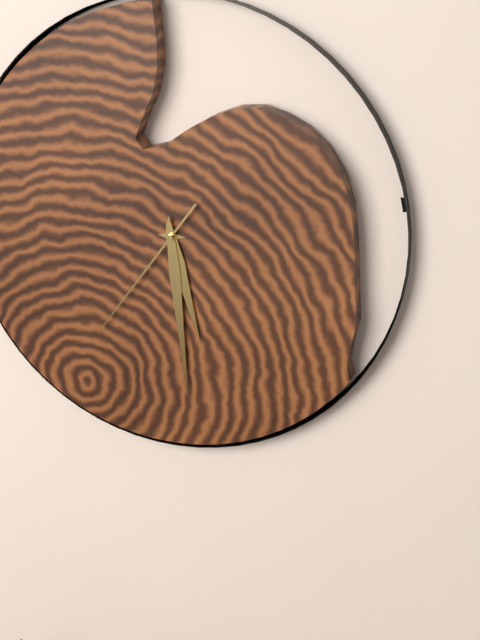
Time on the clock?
5:29:36
